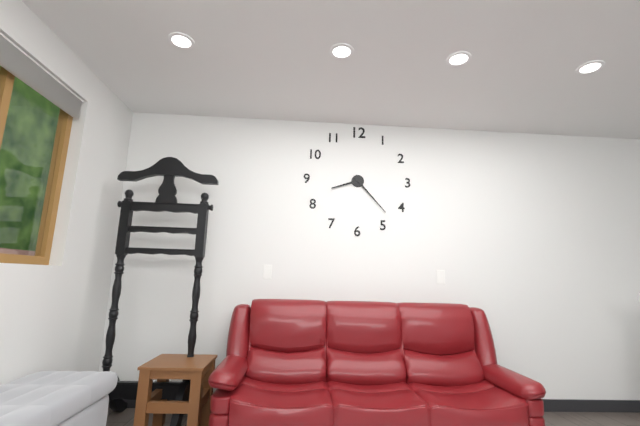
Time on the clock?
8:23
